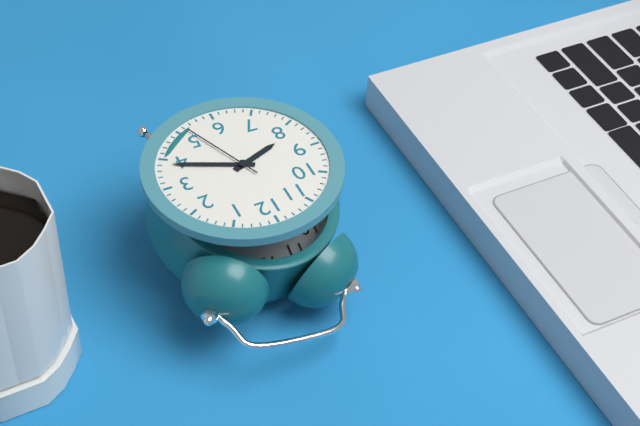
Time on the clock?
8:19:26
